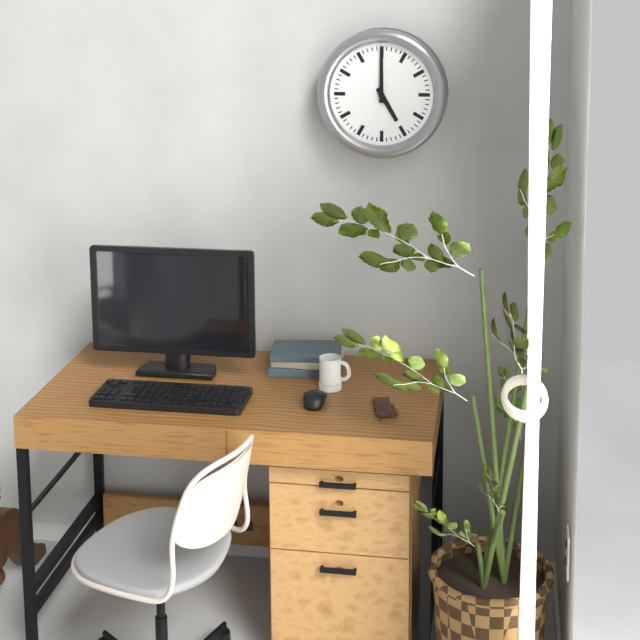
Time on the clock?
5:00
